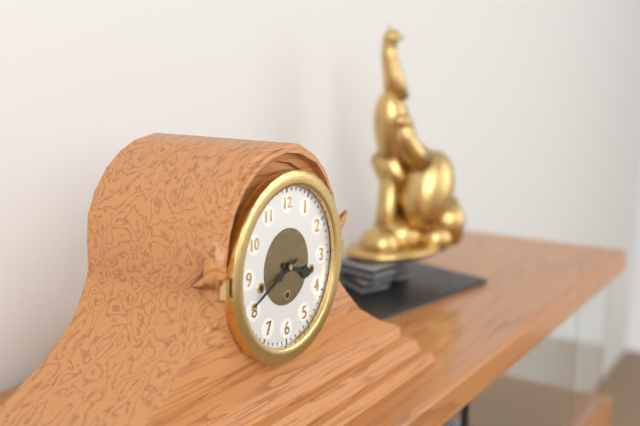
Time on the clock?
3:41
